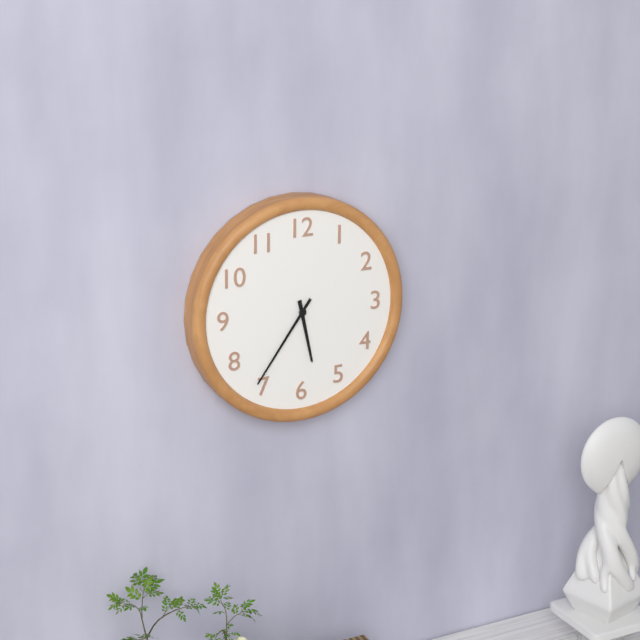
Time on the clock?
5:36
